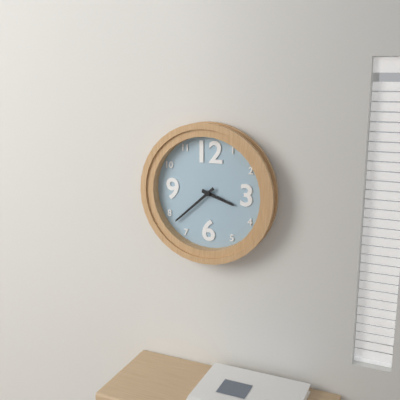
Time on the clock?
3:38
